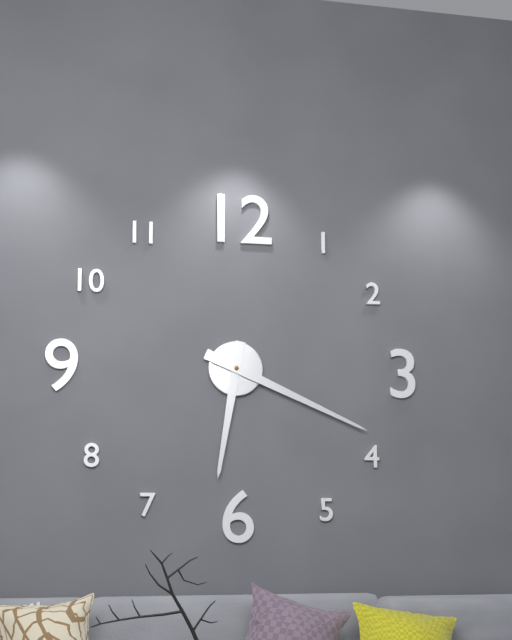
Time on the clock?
6:19
